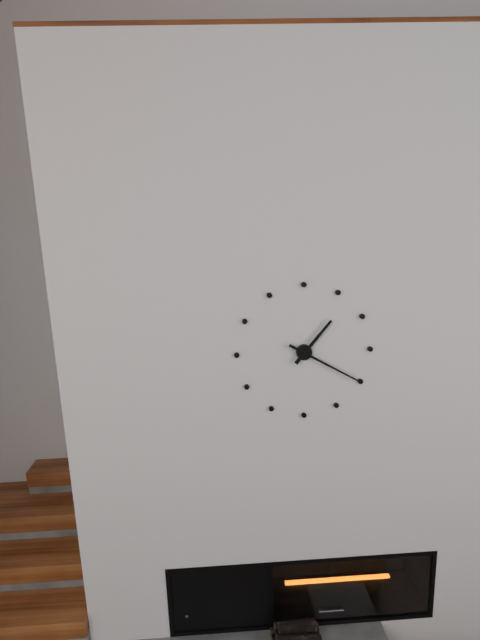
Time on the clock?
1:20
